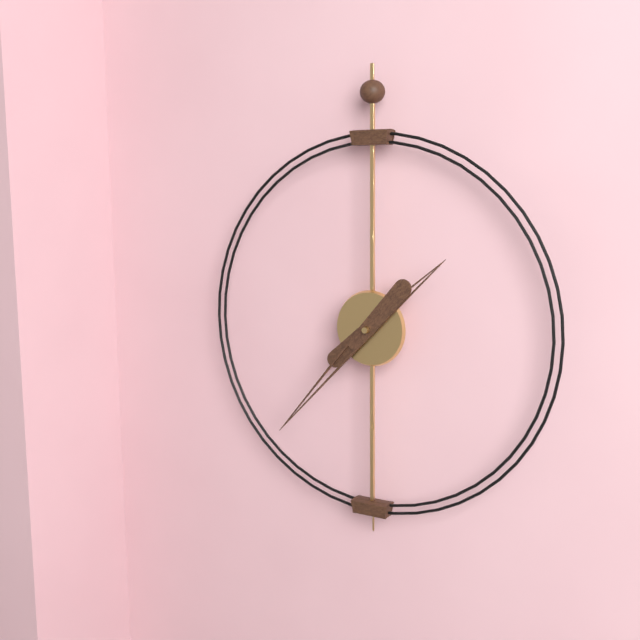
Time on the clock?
1:37
